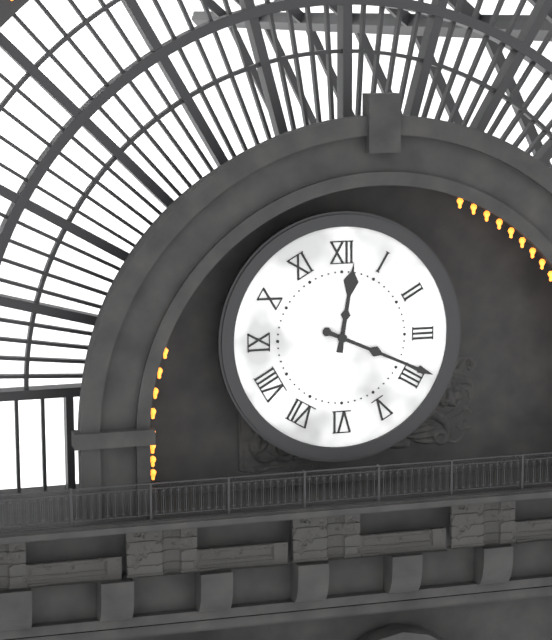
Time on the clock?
12:19
